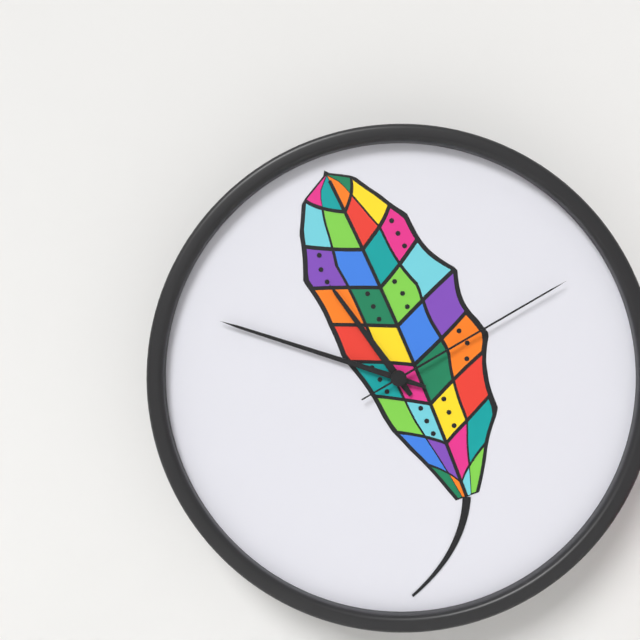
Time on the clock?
10:48:10
